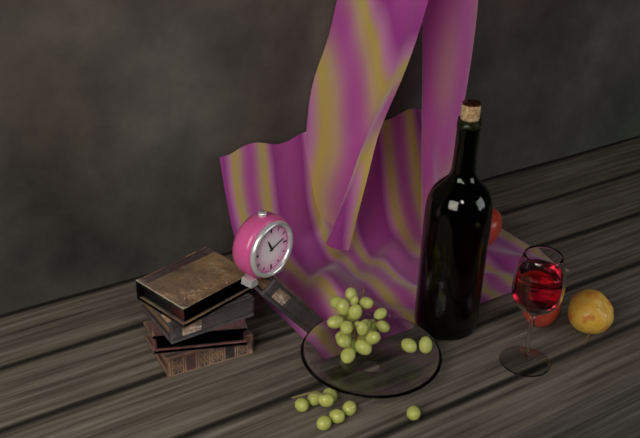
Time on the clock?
11:12
